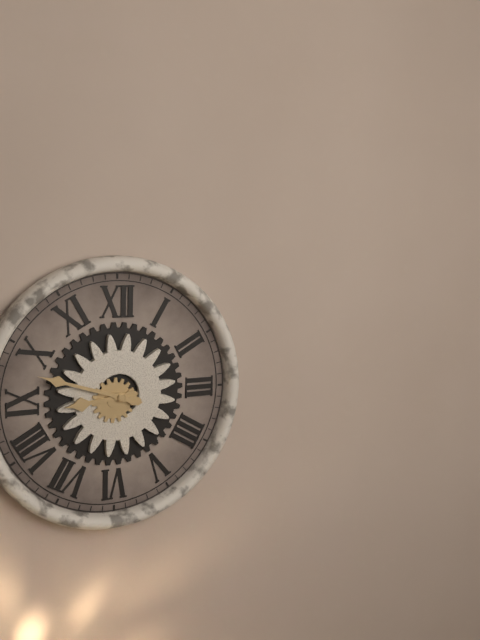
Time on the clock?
8:48
